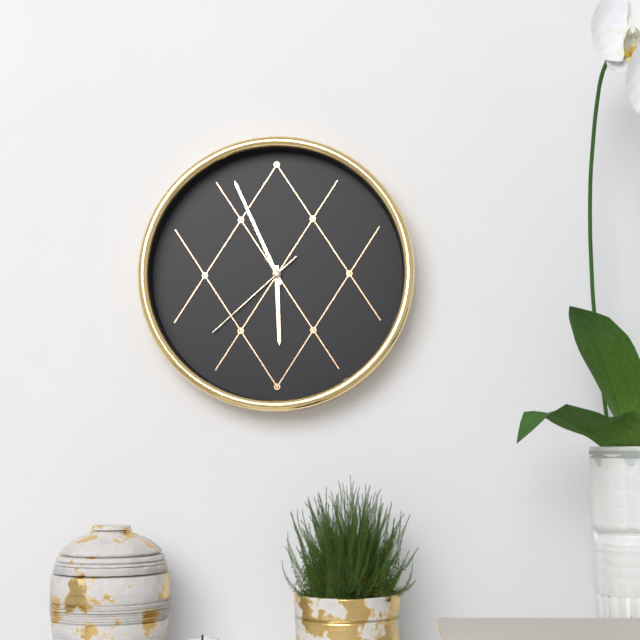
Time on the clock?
5:56:38
